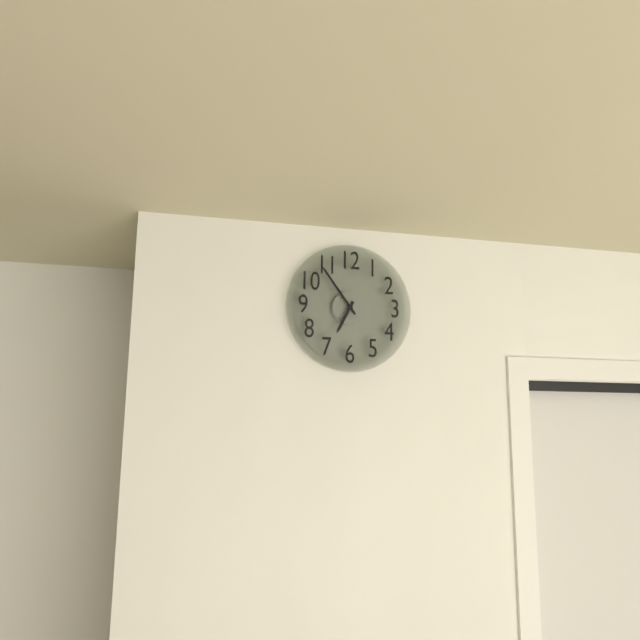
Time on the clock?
6:54
